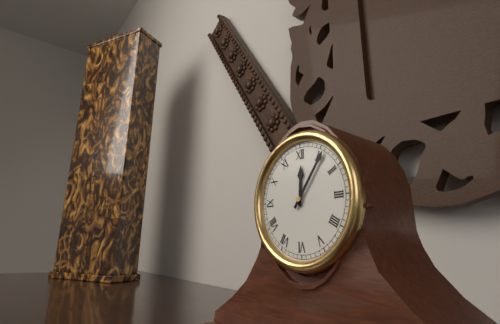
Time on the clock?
12:06
